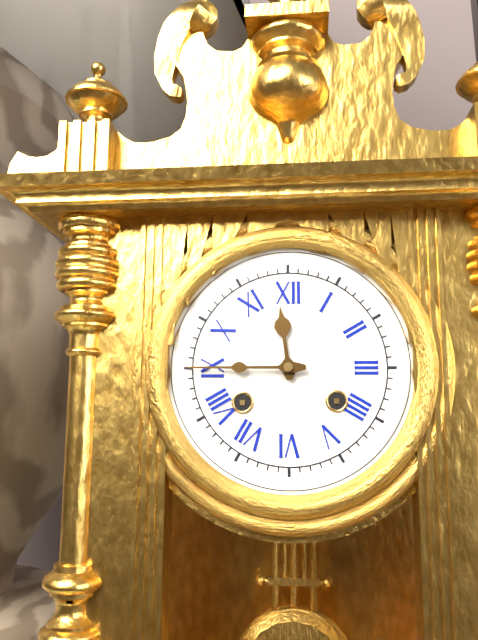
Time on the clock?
11:45
